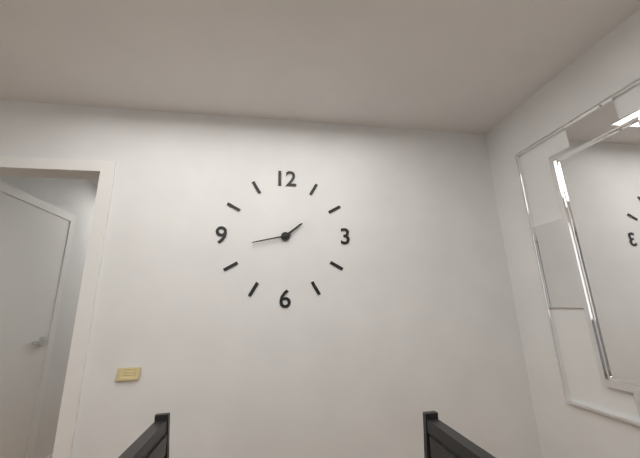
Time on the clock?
1:43
